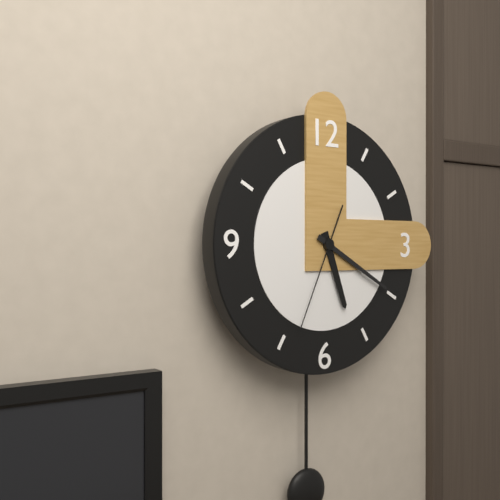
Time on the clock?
5:20:34
